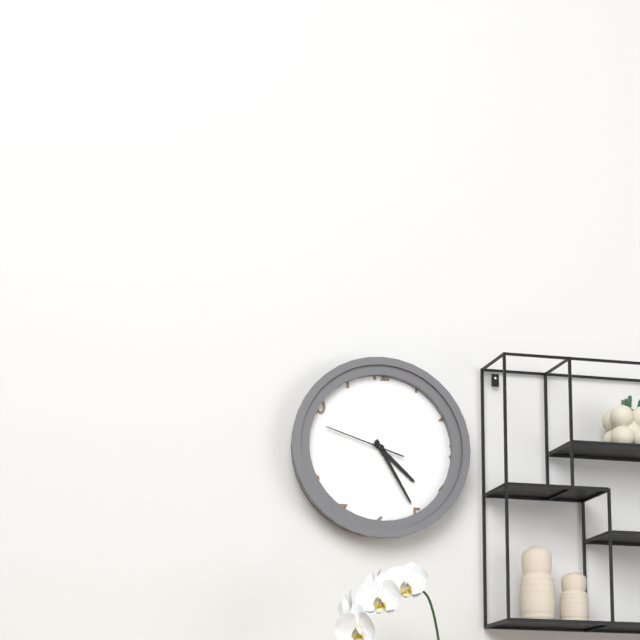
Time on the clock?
4:25:48
